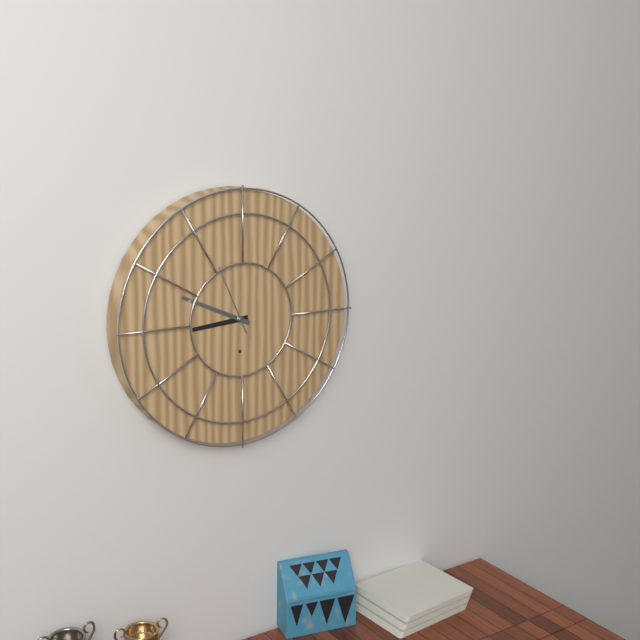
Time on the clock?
8:49:56
